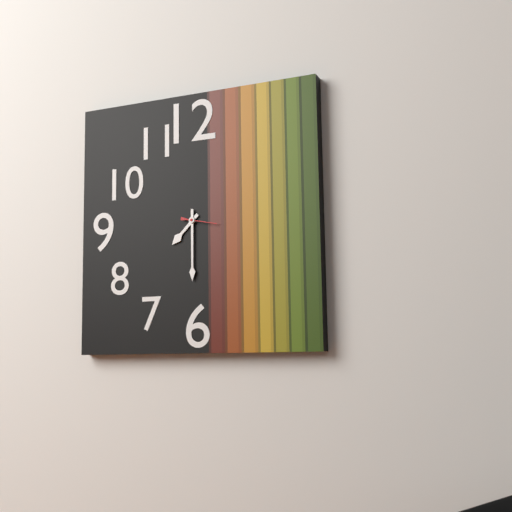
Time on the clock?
7:30
